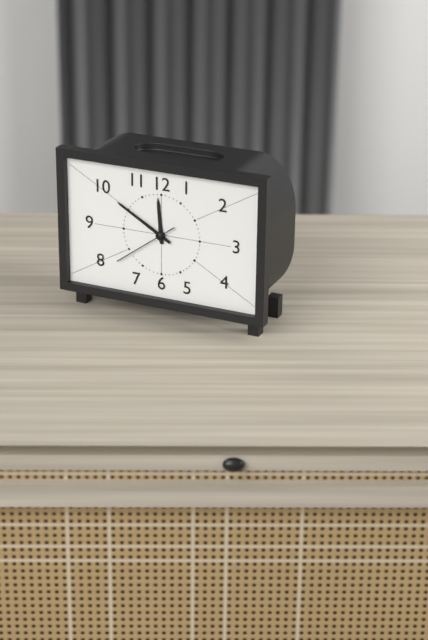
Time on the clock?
11:50:39
